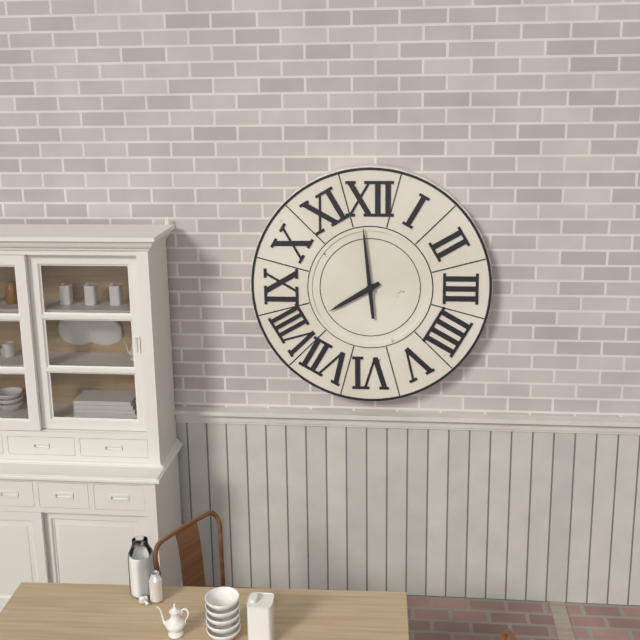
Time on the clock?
7:59
